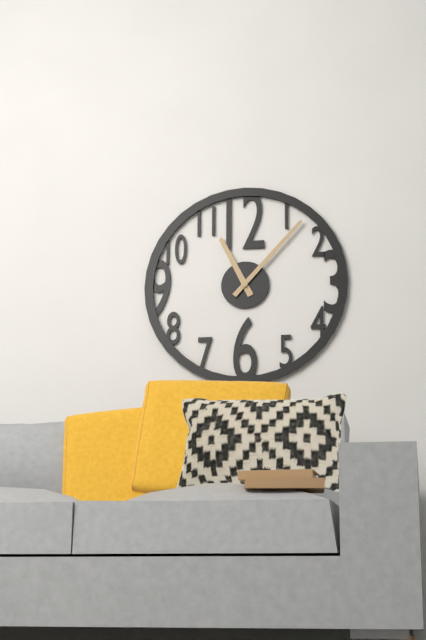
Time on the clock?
11:07
